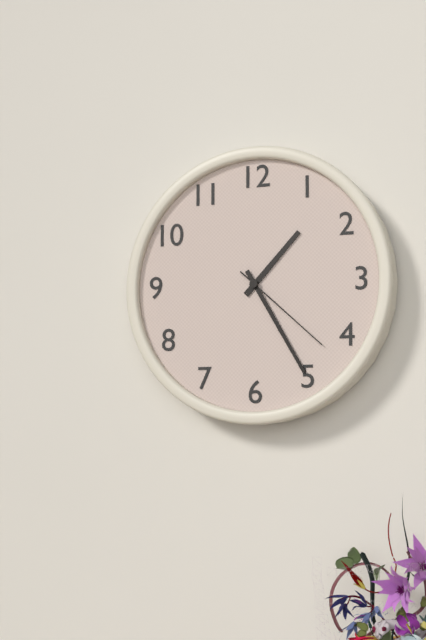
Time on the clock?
1:25:22
